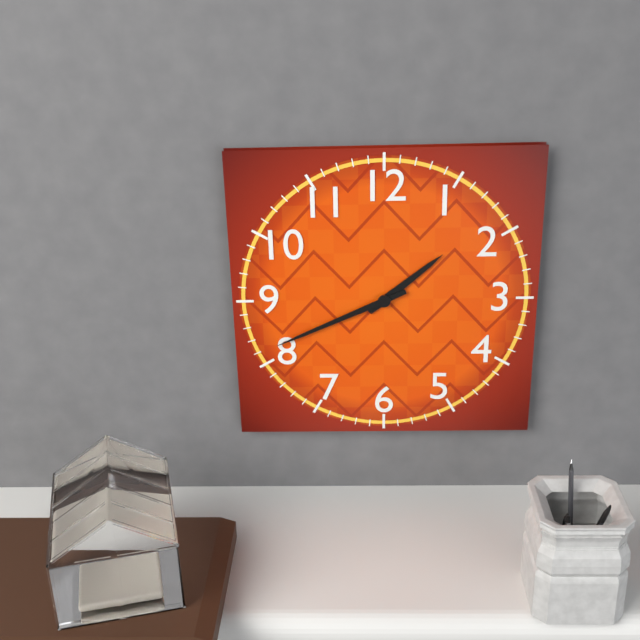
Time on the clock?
1:41
